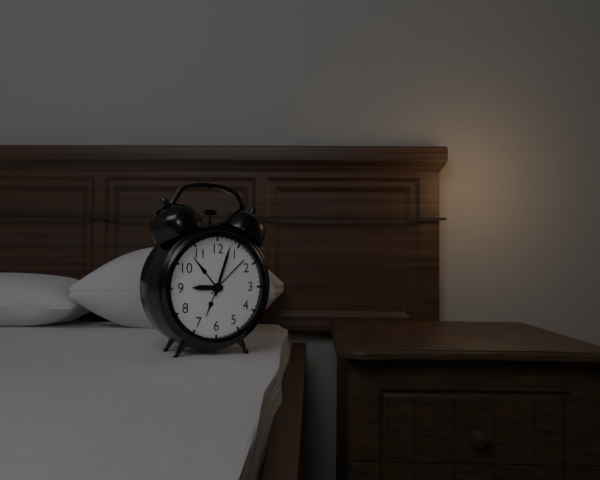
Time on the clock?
9:03
